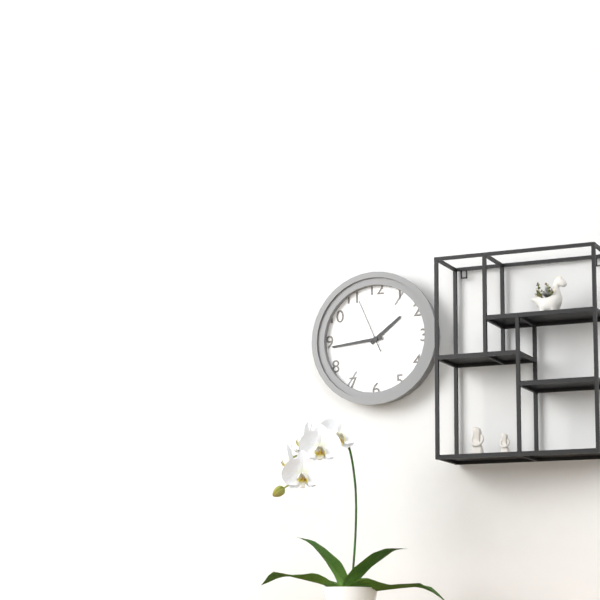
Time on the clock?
1:44:56
